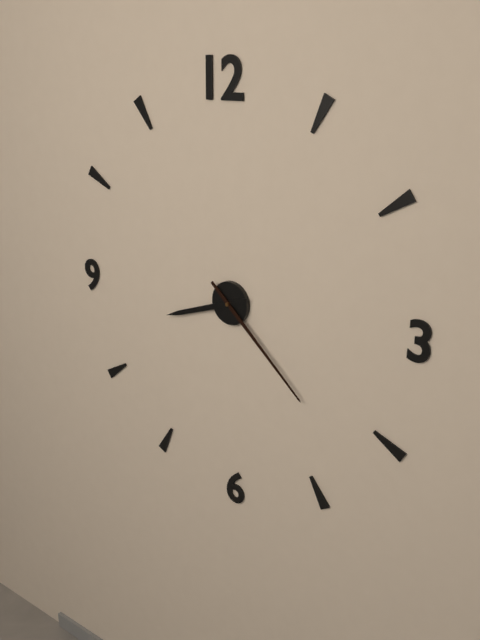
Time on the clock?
8:22
